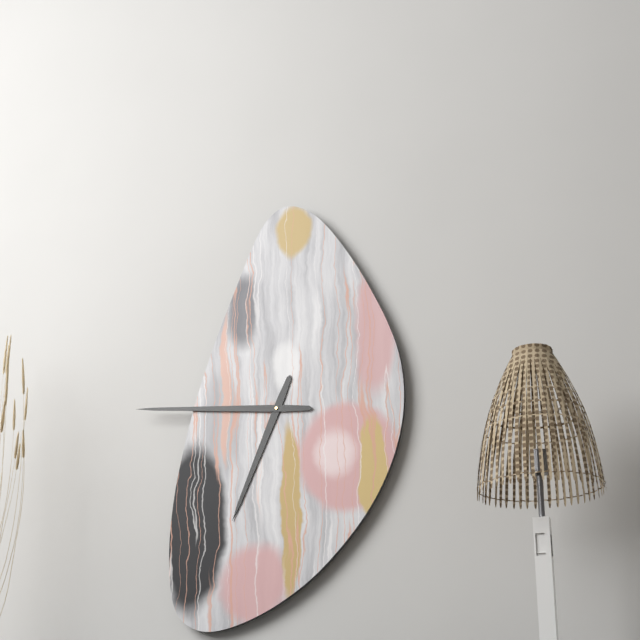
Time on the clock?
6:46
